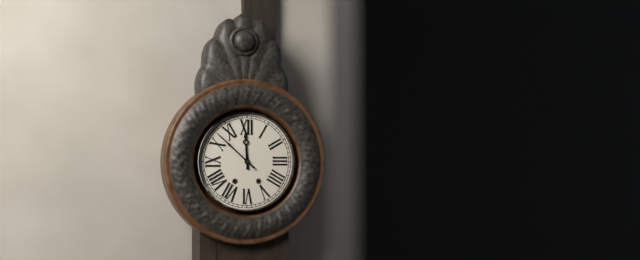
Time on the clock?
11:52
